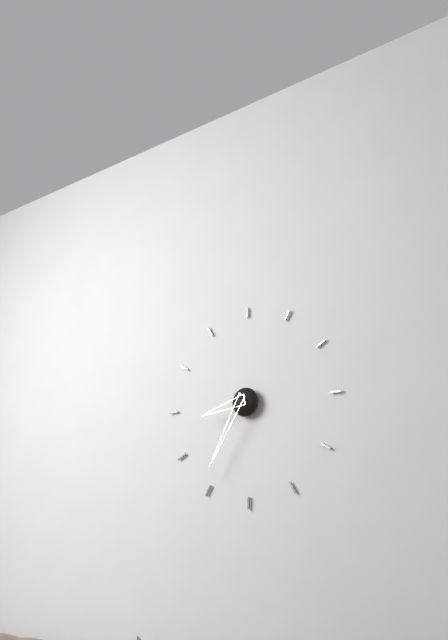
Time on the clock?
8:35
